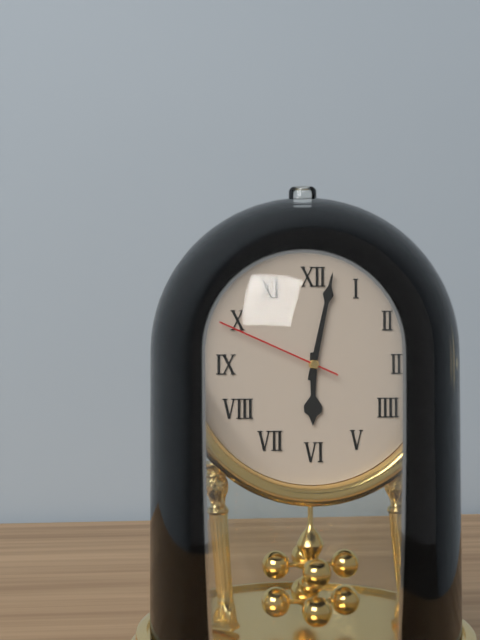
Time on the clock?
6:02:49
